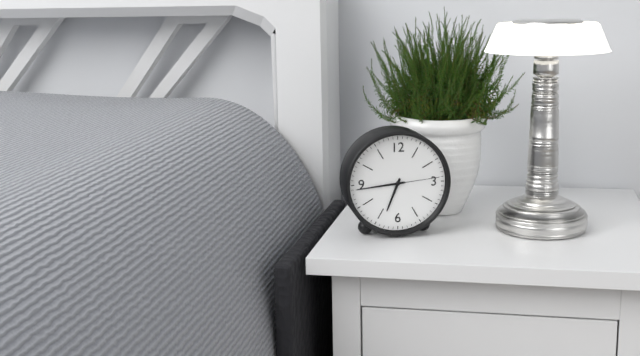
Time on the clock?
6:44:14
